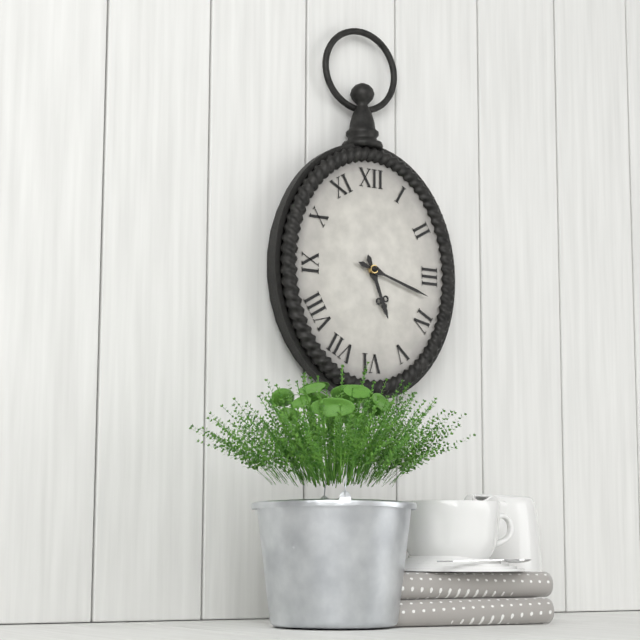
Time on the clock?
5:18
